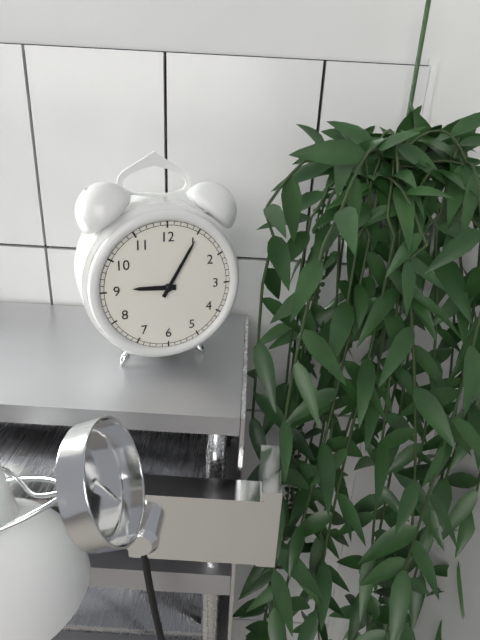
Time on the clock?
9:05
